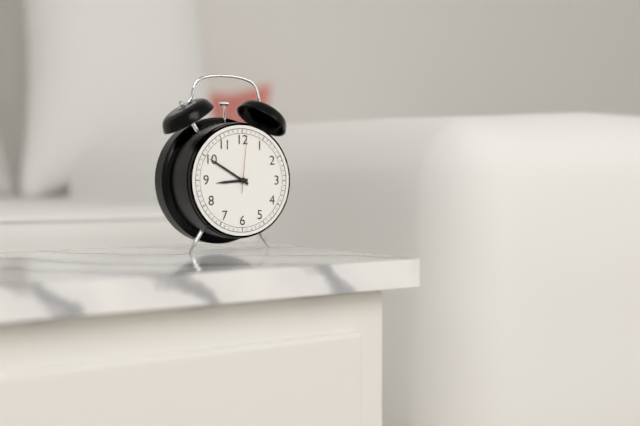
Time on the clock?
8:50:01
